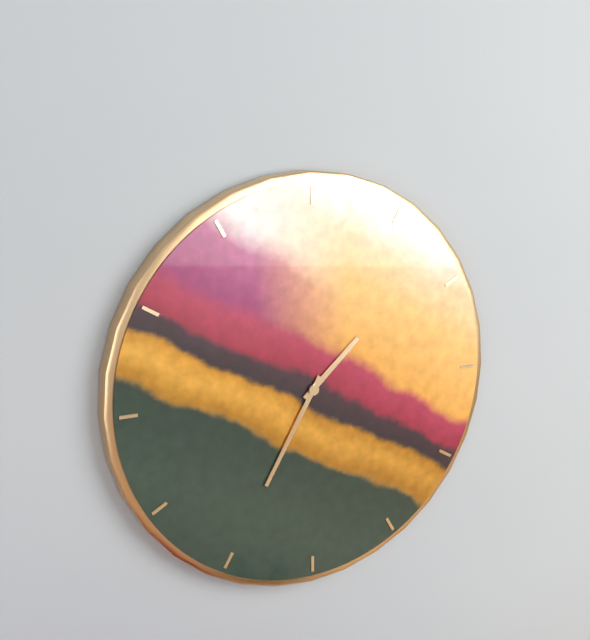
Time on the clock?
1:35
